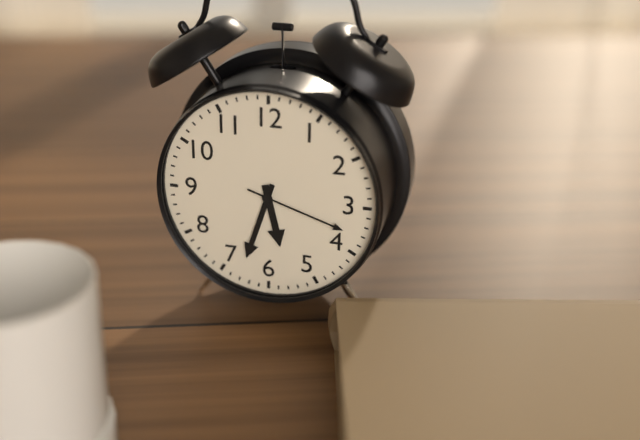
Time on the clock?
5:33:18
